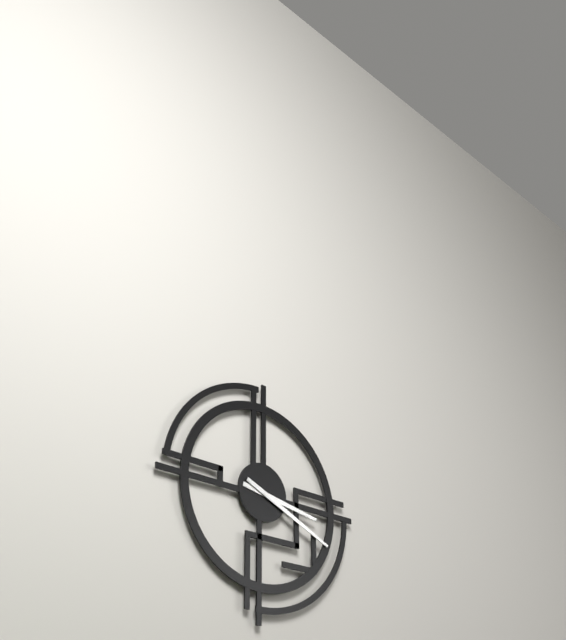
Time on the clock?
3:19
